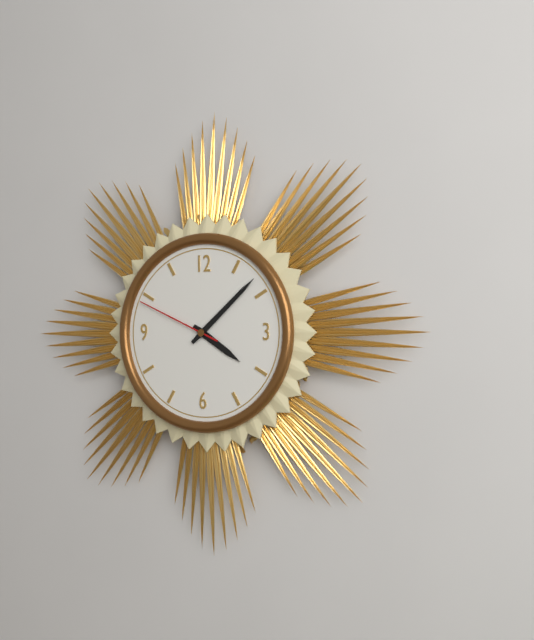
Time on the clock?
4:08:49
